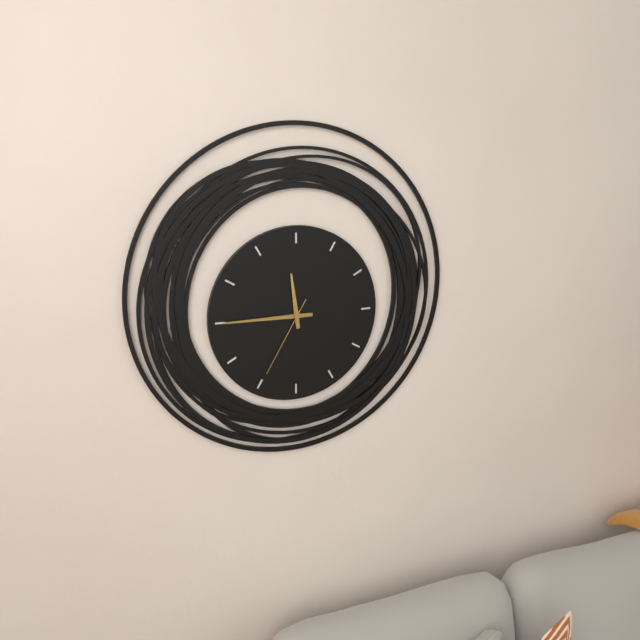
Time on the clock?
11:45:35
